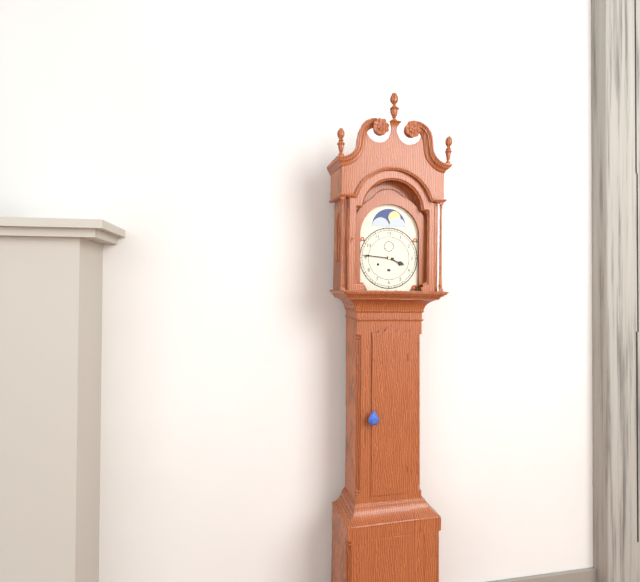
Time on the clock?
3:46
